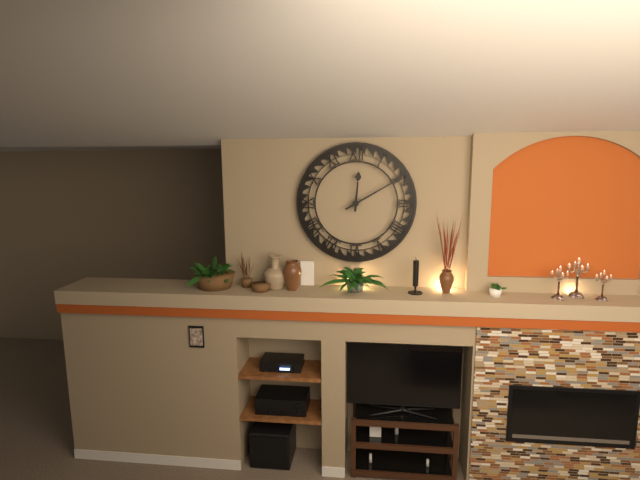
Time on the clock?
12:10
